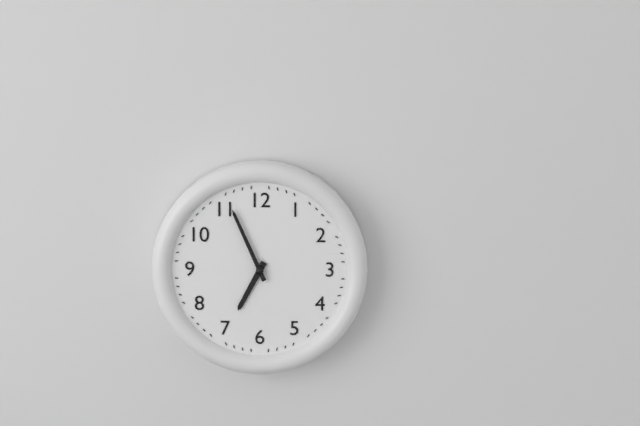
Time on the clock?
6:56
